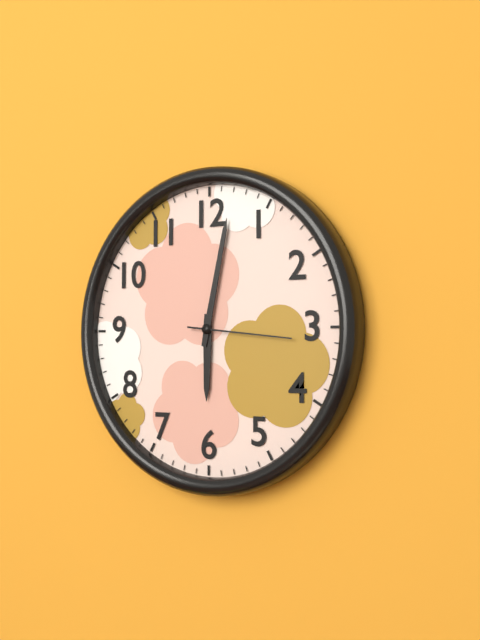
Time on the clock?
6:02:16
